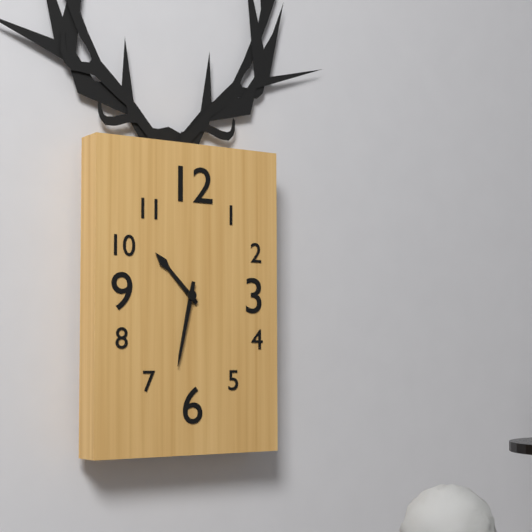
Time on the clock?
10:32
